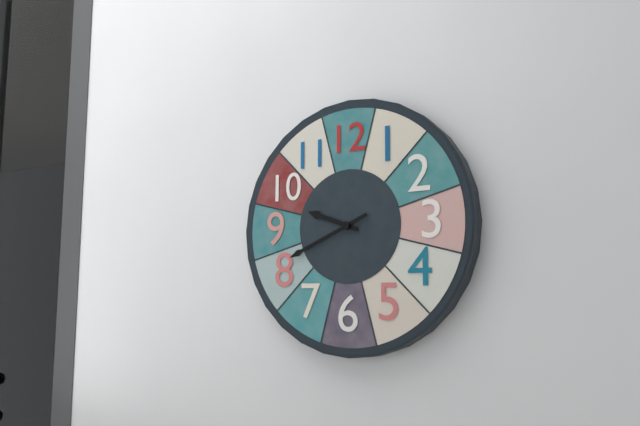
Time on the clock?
9:41
